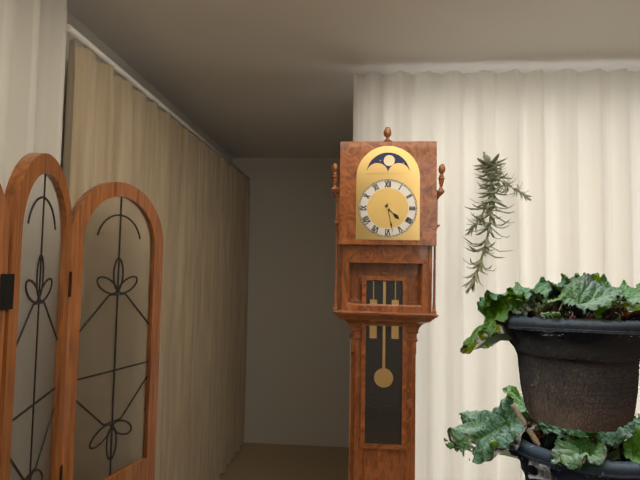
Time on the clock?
4:28
